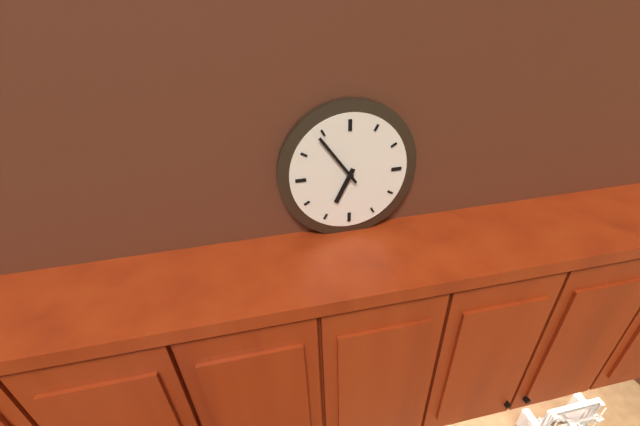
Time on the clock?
6:54
